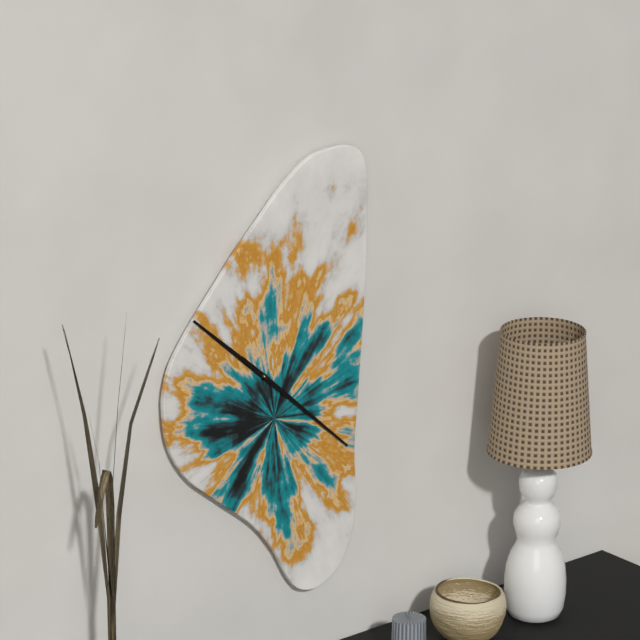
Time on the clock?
10:22
